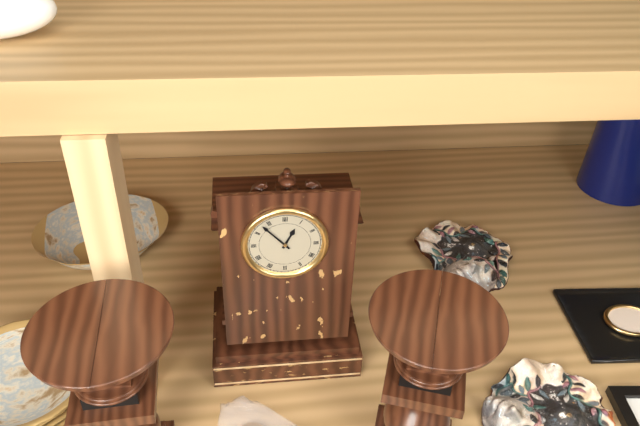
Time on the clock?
12:53
